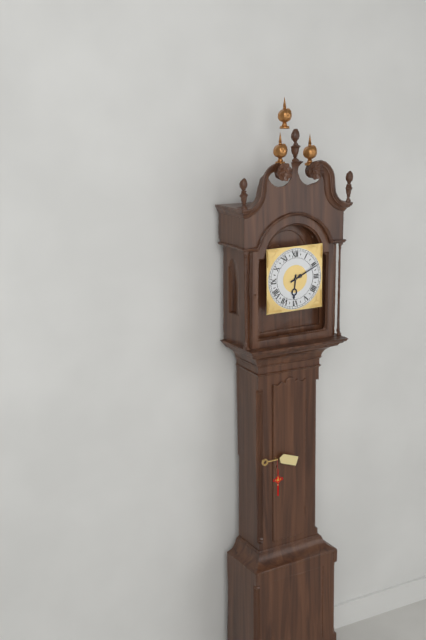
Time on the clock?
6:11
